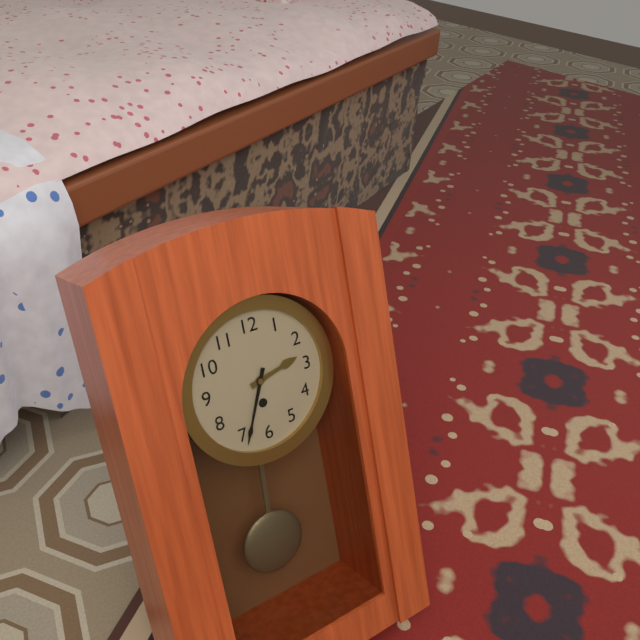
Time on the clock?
2:34
